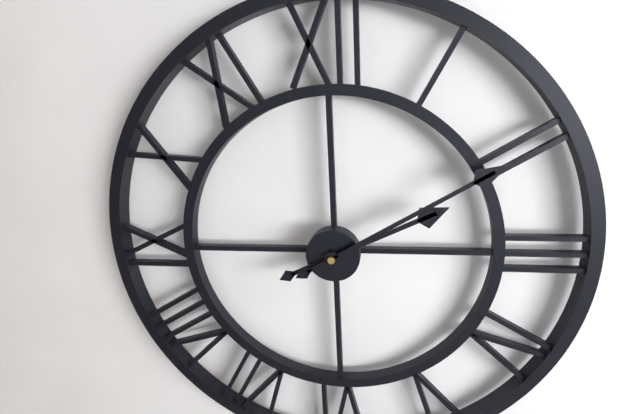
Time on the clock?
2:10
